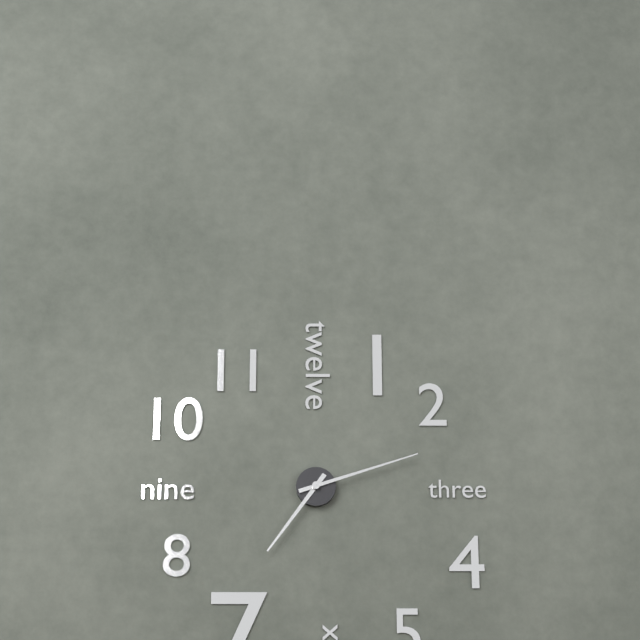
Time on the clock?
7:12
